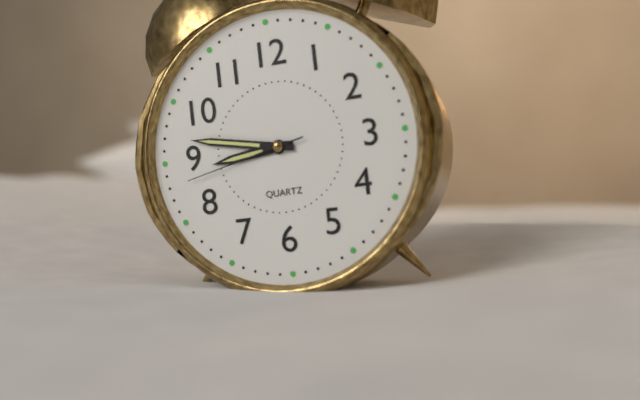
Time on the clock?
8:47:43
